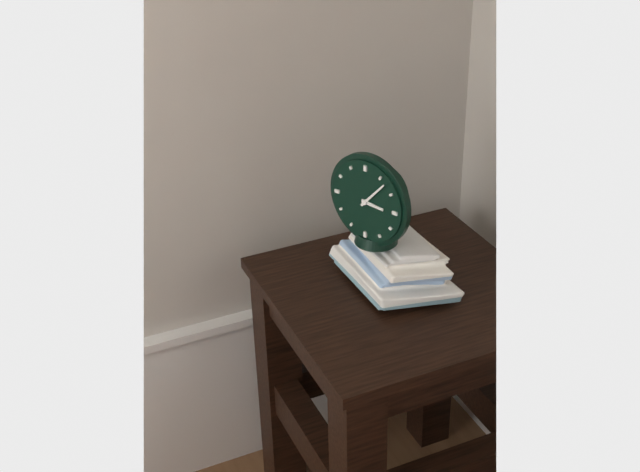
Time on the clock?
3:07
